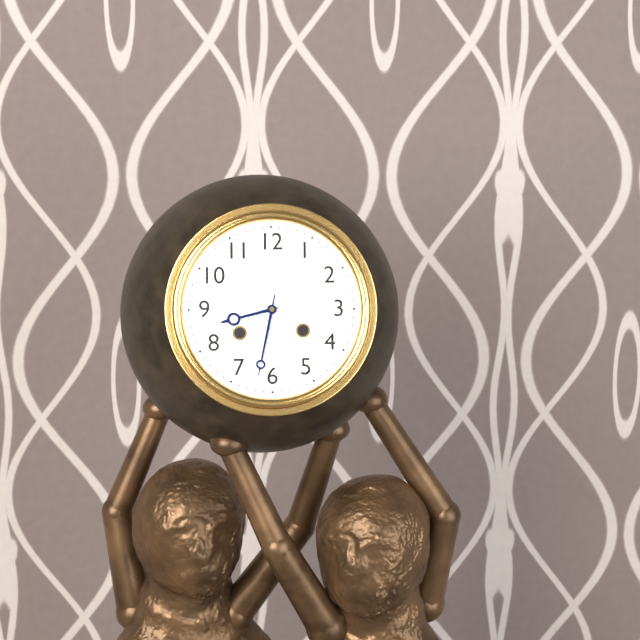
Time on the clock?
8:32
